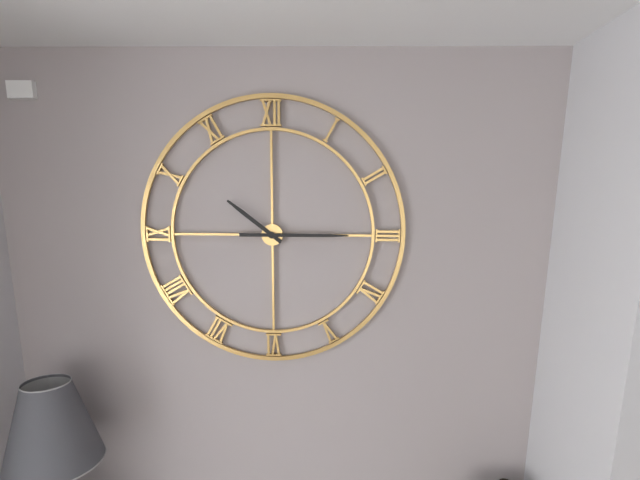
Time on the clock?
10:15
